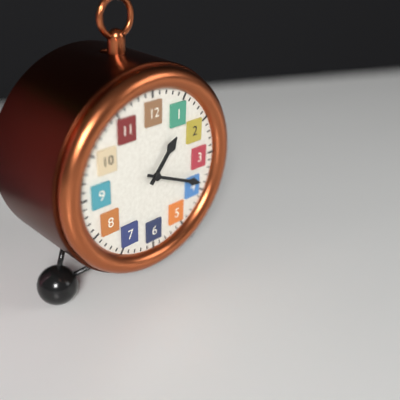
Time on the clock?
1:19
